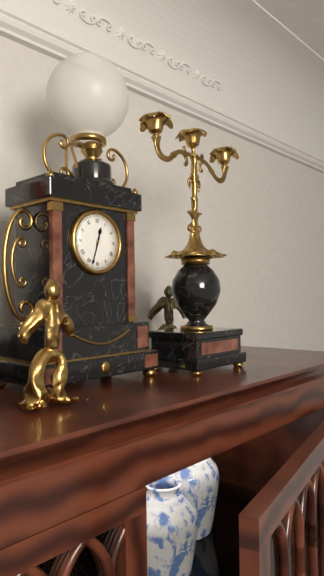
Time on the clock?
12:33
